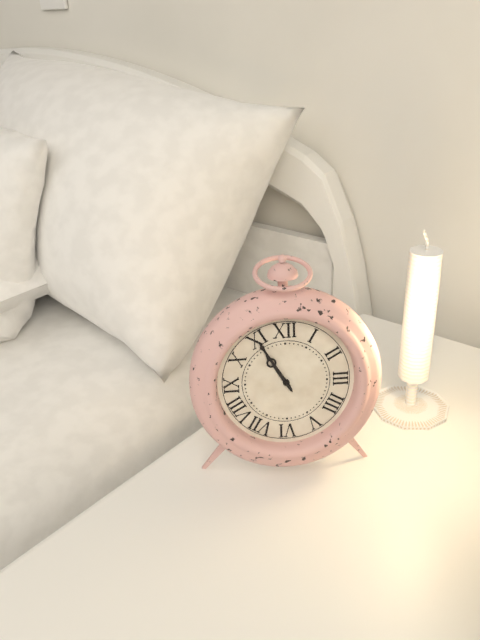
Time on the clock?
10:55
